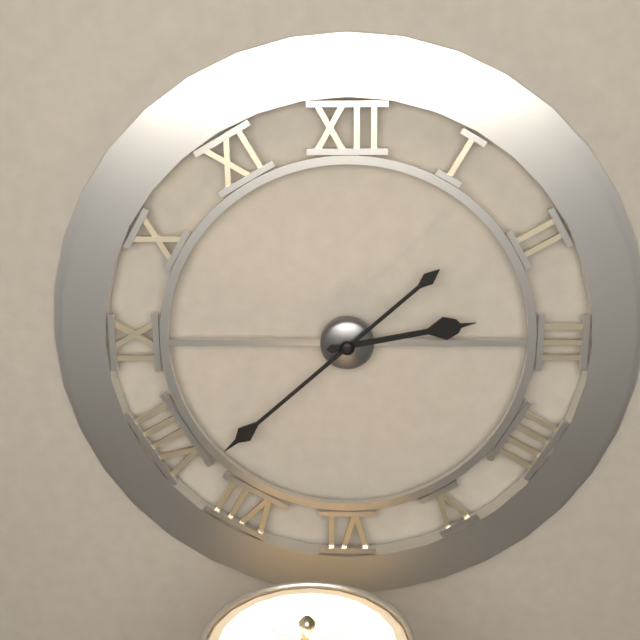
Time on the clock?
2:38
